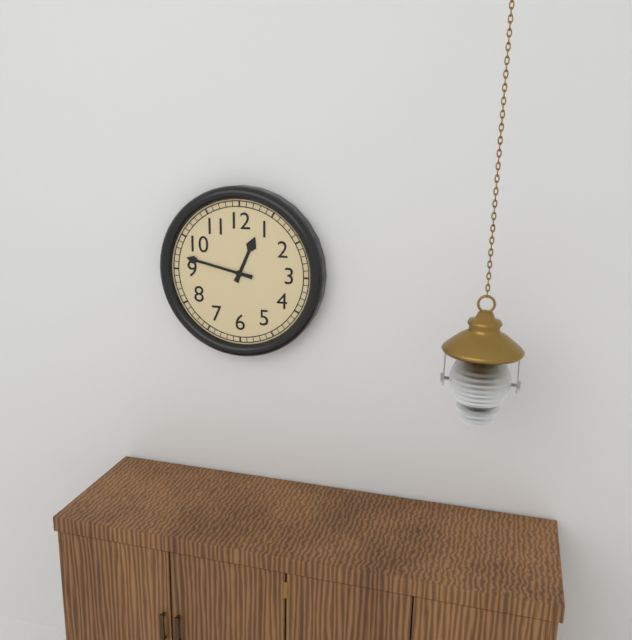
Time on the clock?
12:47
